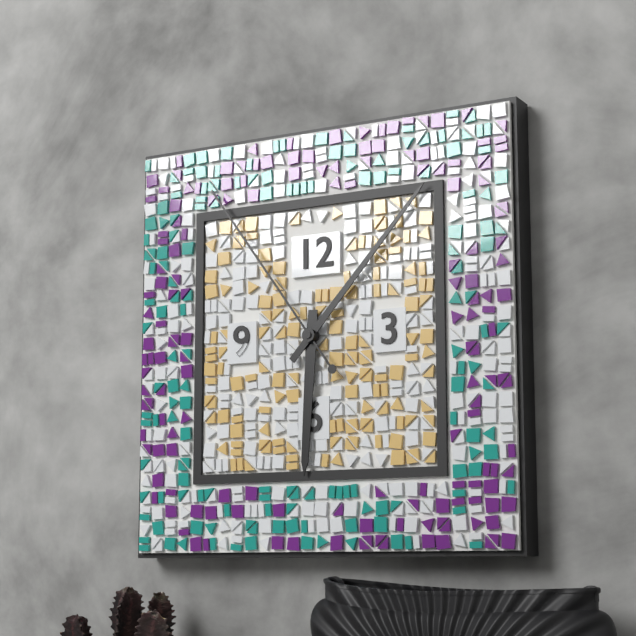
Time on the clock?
6:07:54
